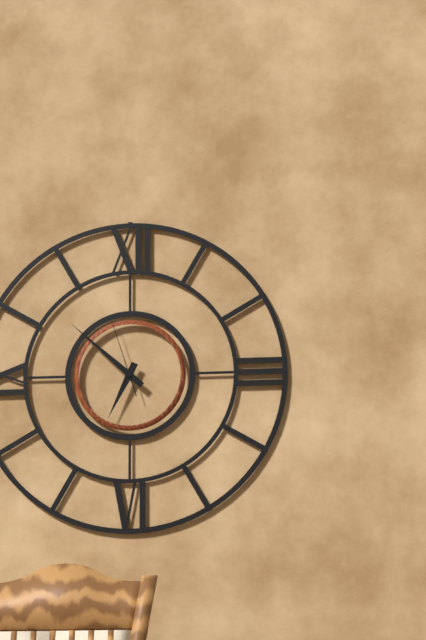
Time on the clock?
6:52:57
